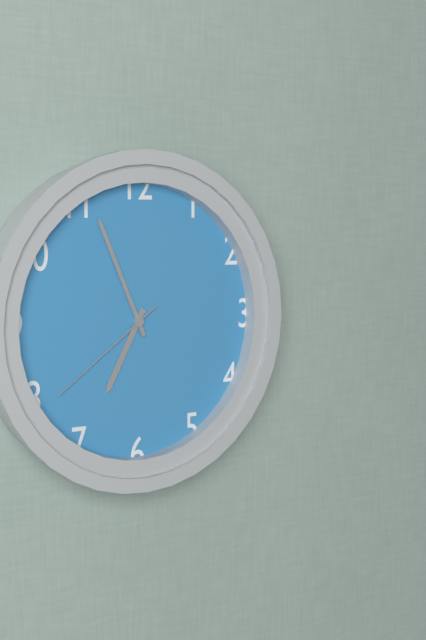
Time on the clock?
6:56:39
